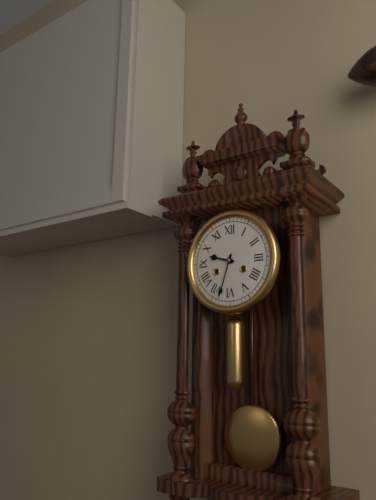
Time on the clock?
9:33
